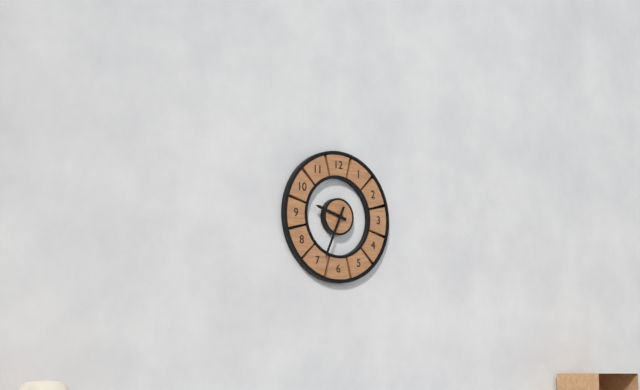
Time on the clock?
9:34
